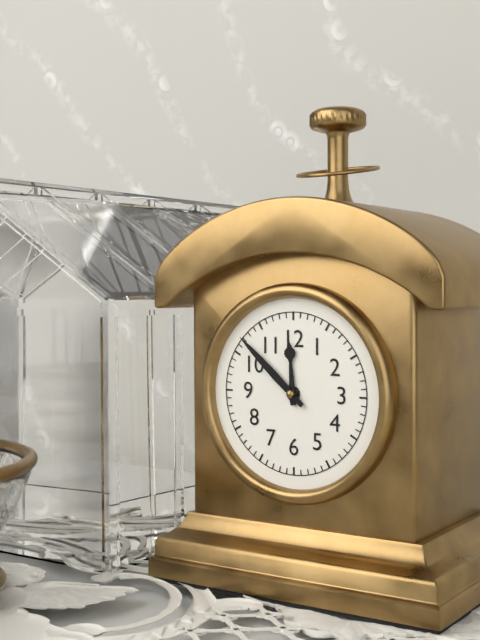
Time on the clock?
11:52
